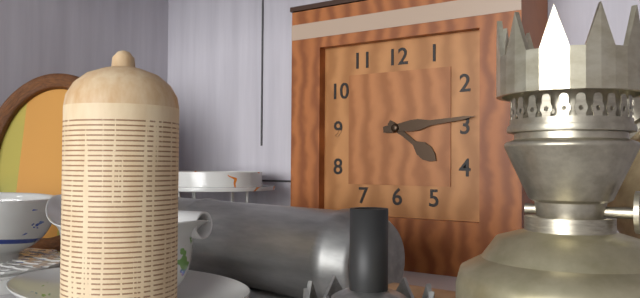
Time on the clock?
4:14
